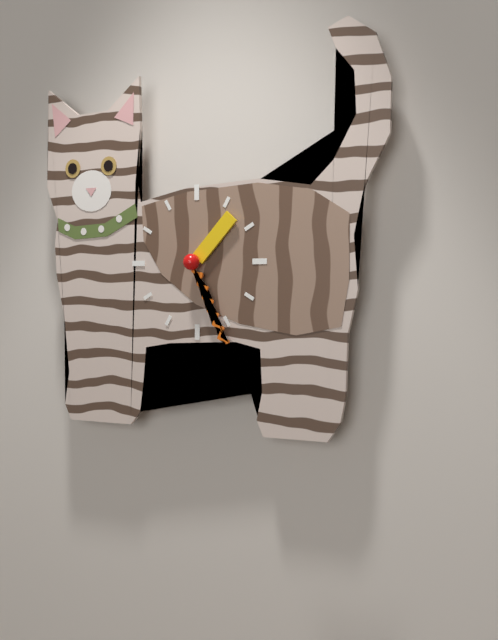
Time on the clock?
1:26
